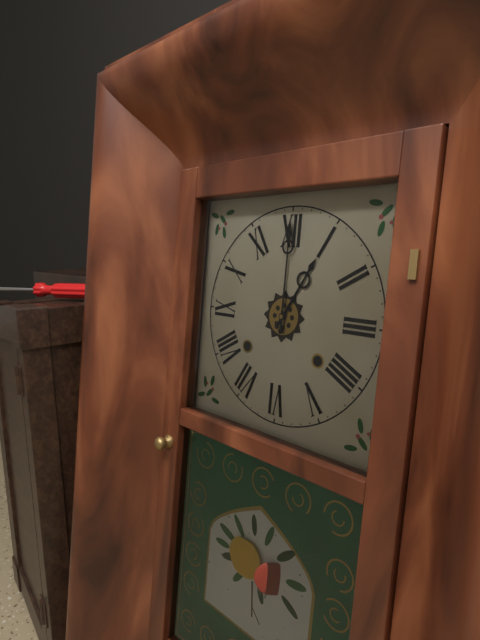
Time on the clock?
1:00
